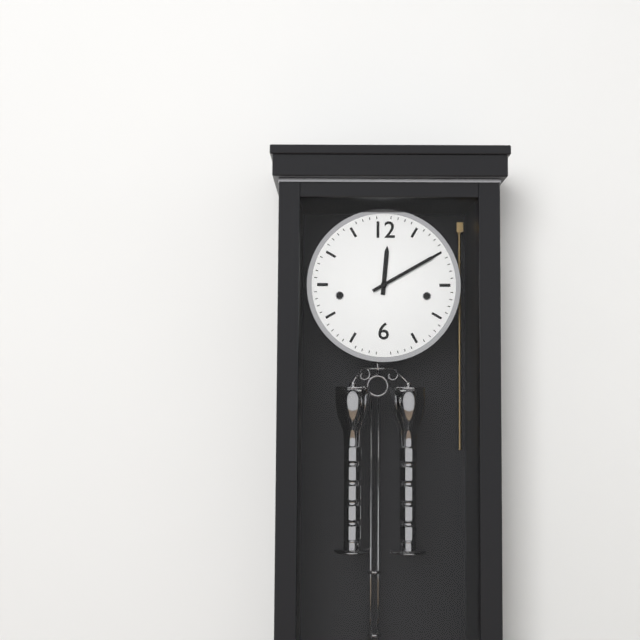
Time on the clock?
12:10
